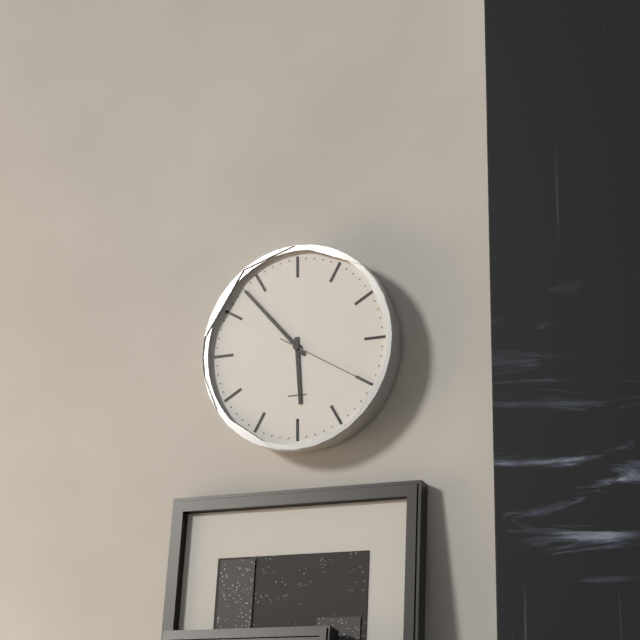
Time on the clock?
5:53:20
